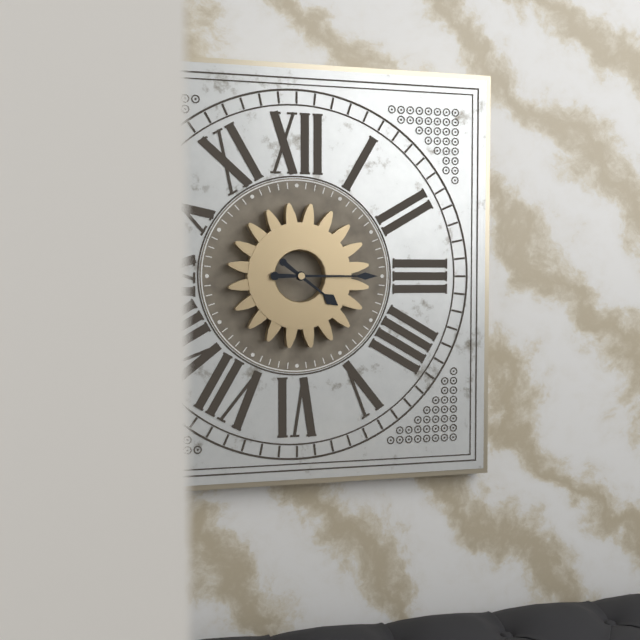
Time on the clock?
4:15
